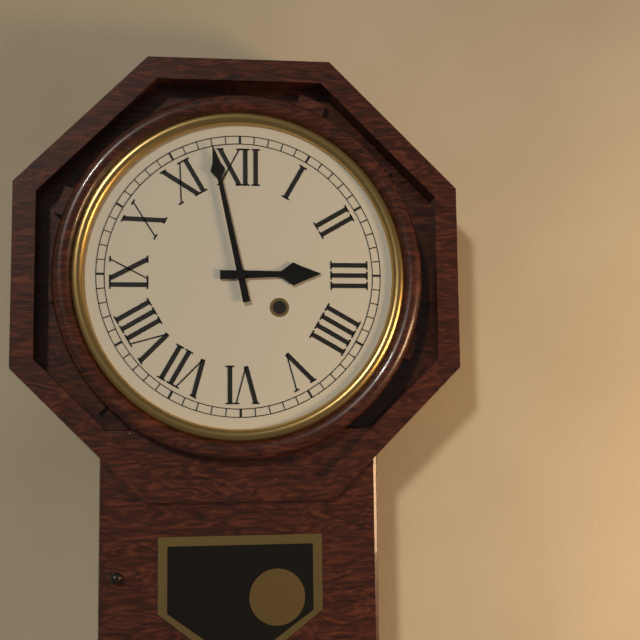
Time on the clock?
2:58
